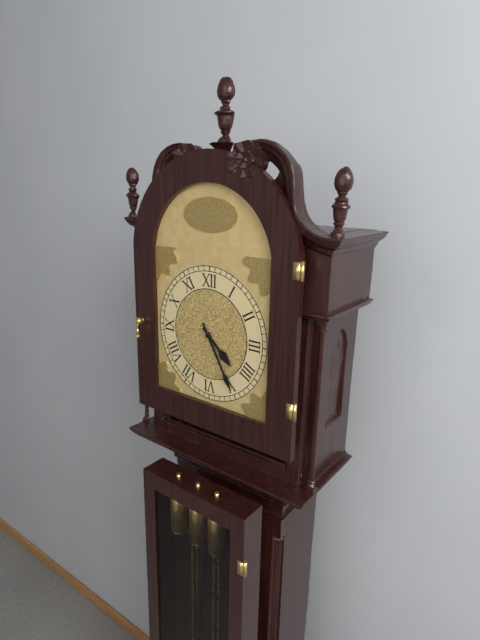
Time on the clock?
4:25
